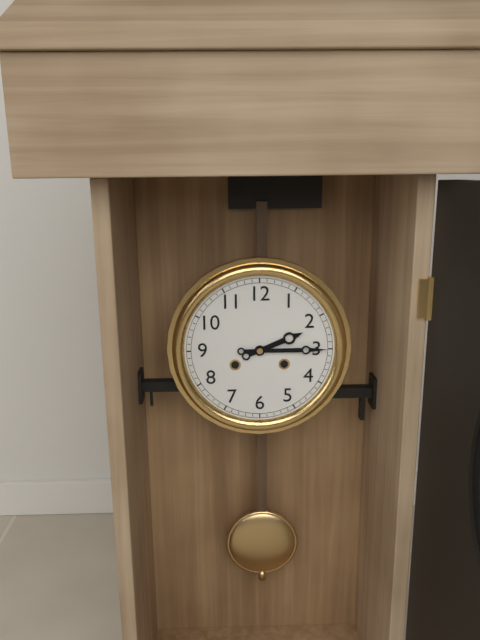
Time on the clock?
2:15
